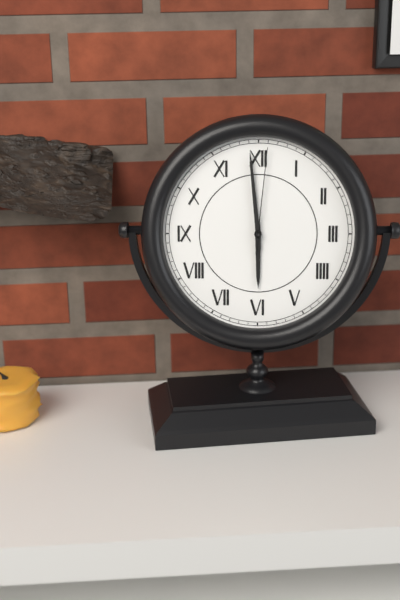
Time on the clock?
5:59:01
